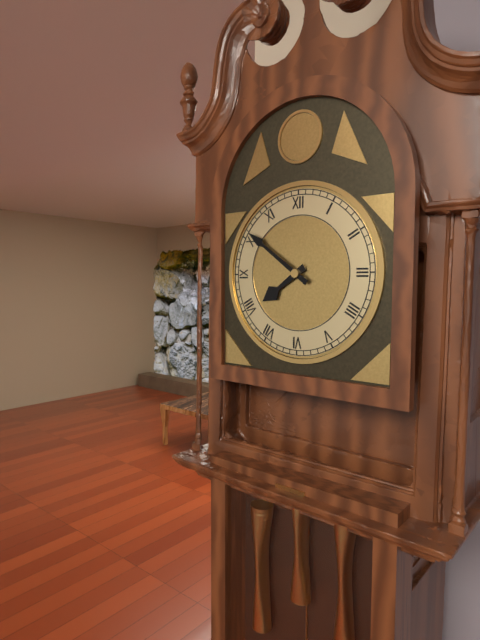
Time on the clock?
7:51
